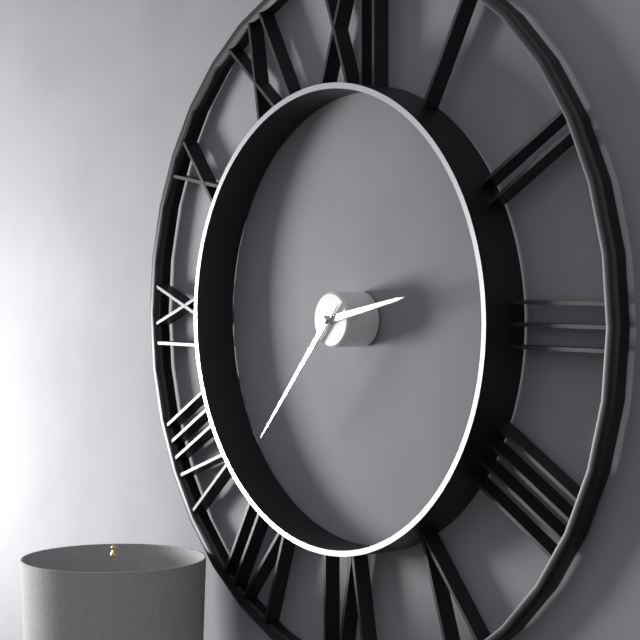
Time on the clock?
2:37
